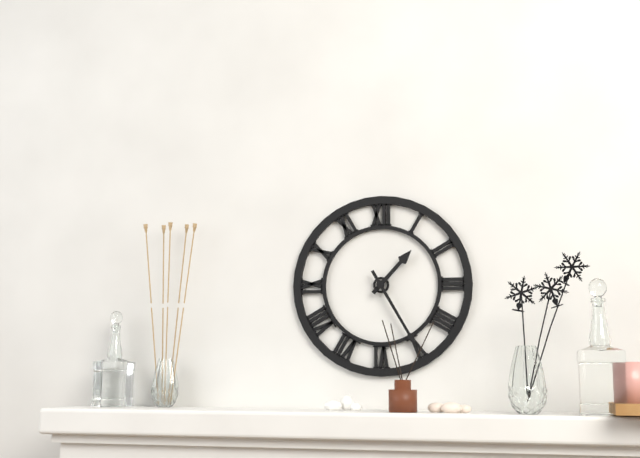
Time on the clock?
1:25
